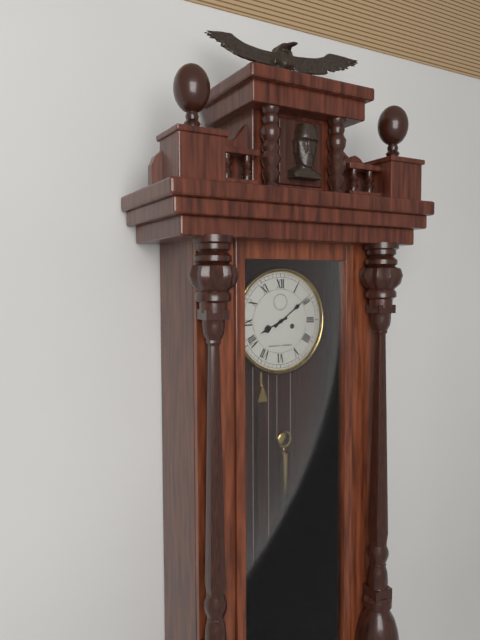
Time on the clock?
8:09
